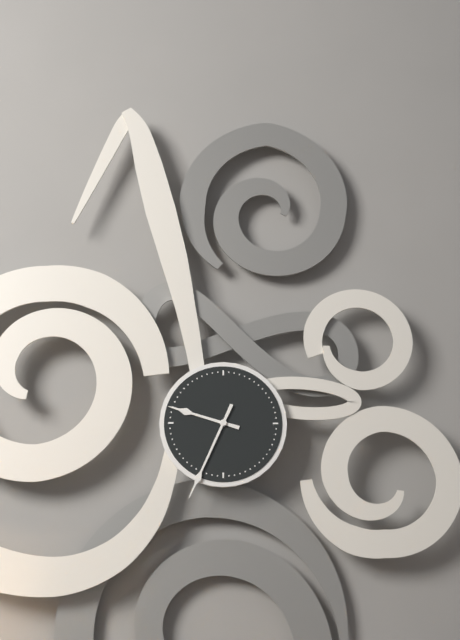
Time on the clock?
9:34
